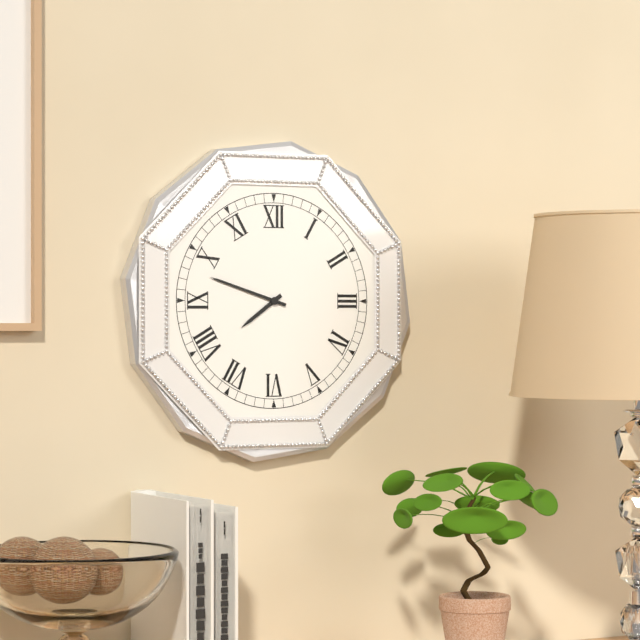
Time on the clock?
7:48
